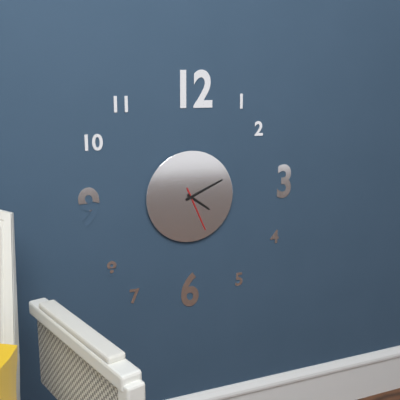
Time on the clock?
4:11
